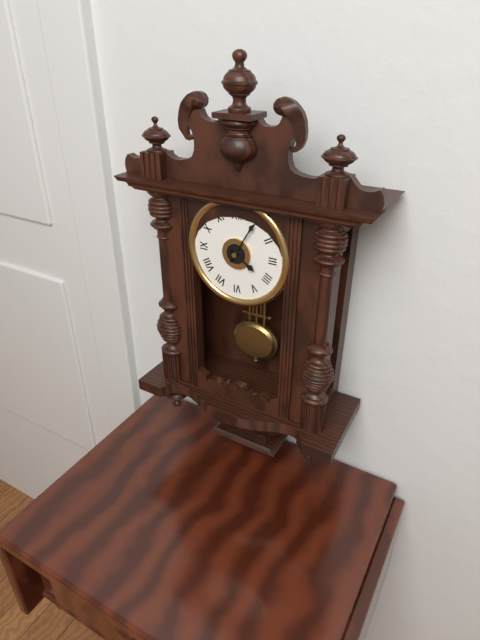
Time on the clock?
4:05
